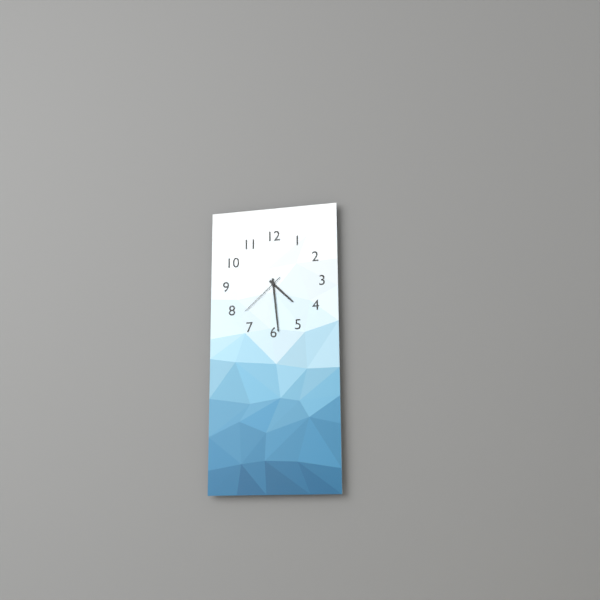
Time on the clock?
4:29
